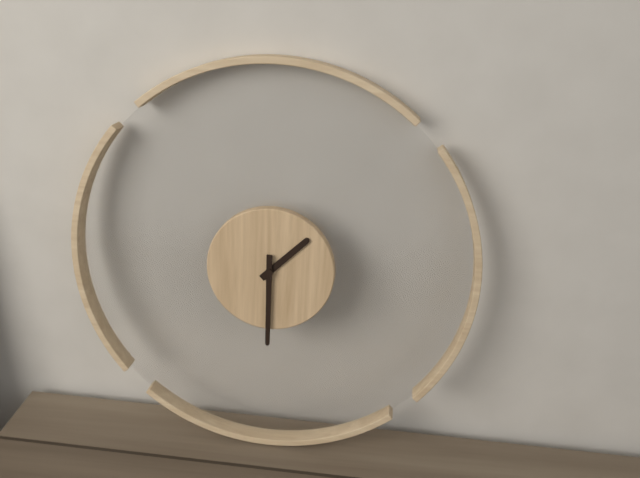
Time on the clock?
1:30
